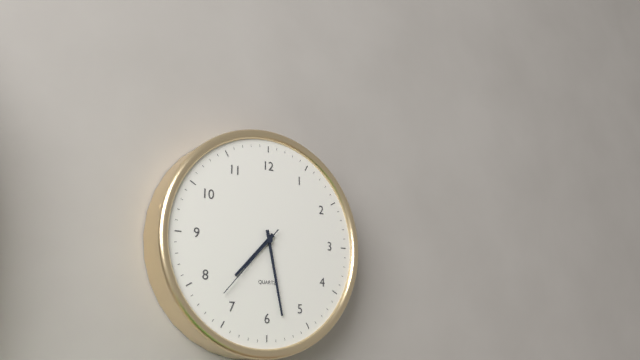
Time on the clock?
7:28:37
